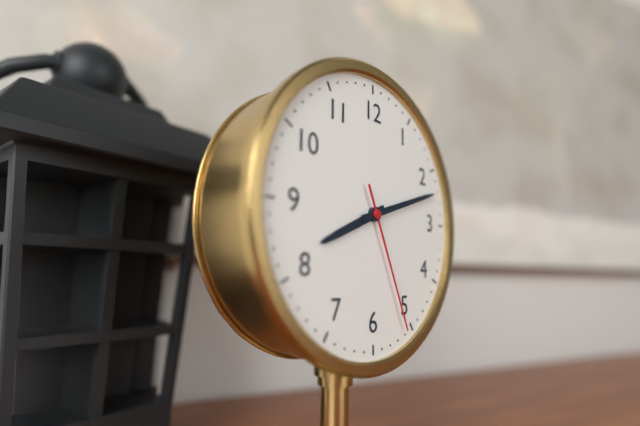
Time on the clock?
8:12:26
